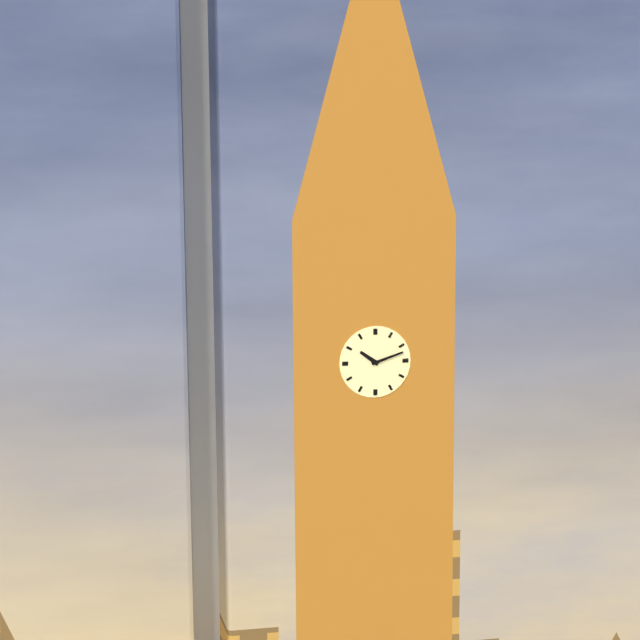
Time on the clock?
10:12
